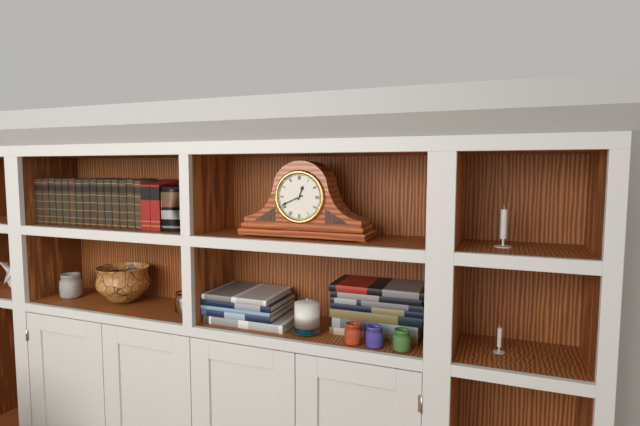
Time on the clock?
12:41
